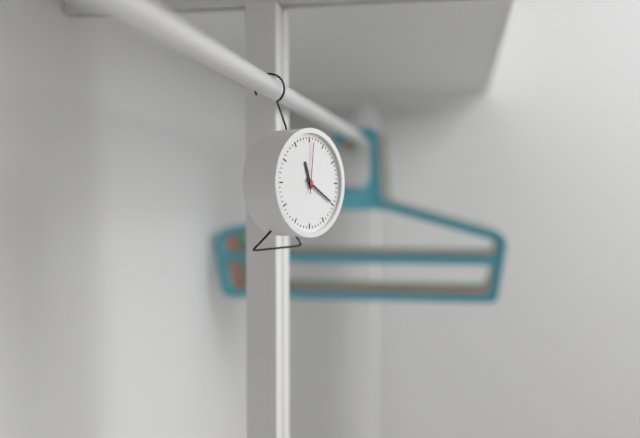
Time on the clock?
11:20:01
